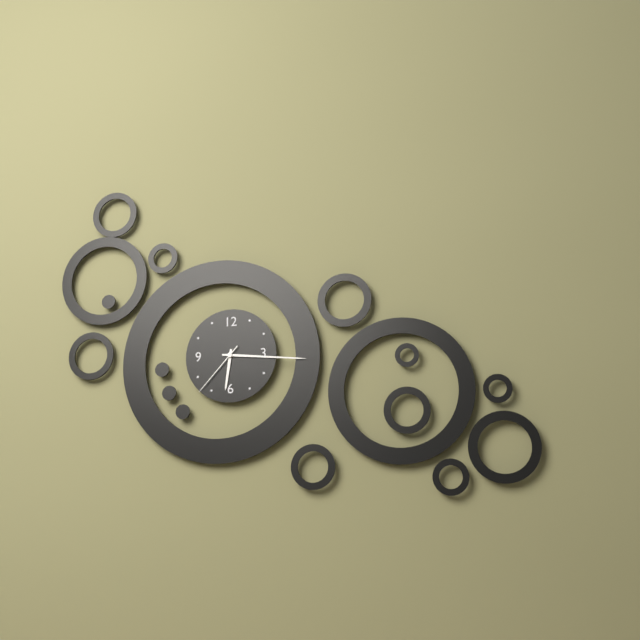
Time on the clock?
6:16:37
